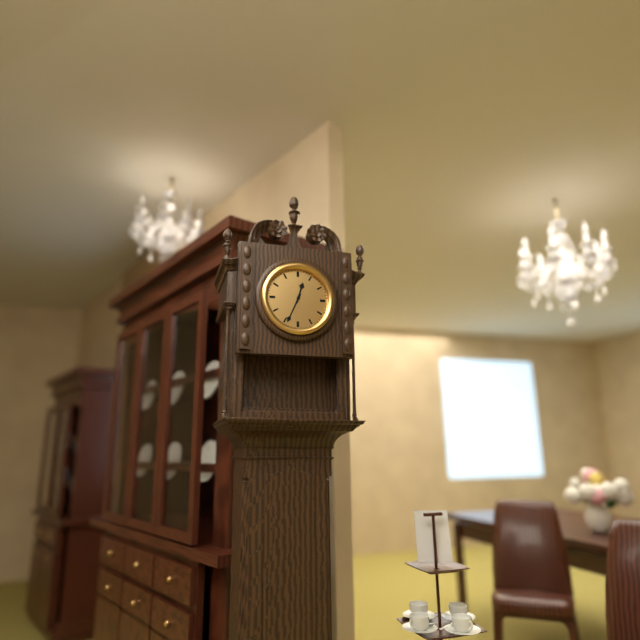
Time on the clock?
12:34
